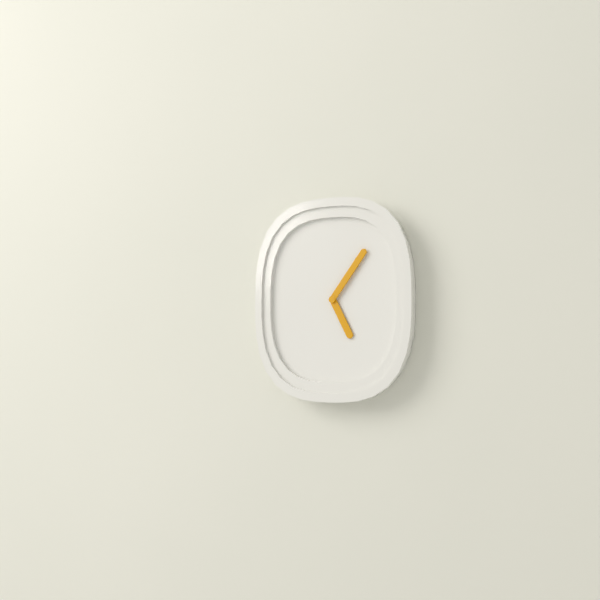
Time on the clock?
5:06
